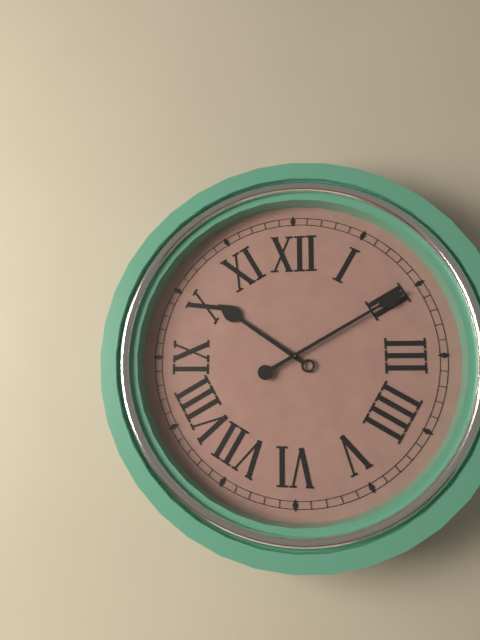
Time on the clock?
10:10
